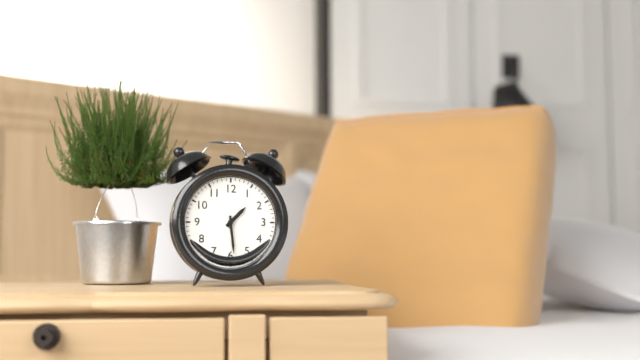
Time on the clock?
1:29
